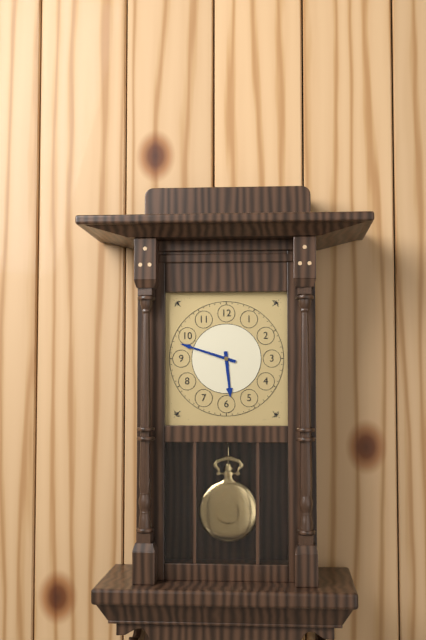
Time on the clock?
5:48
